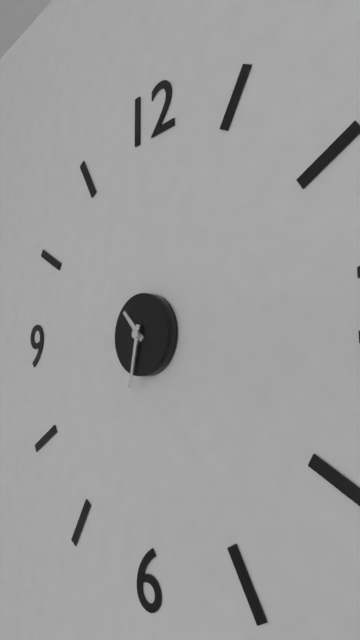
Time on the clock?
10:32
